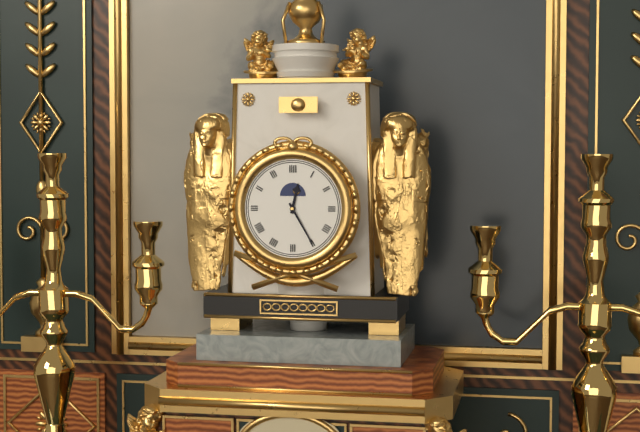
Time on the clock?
12:25
